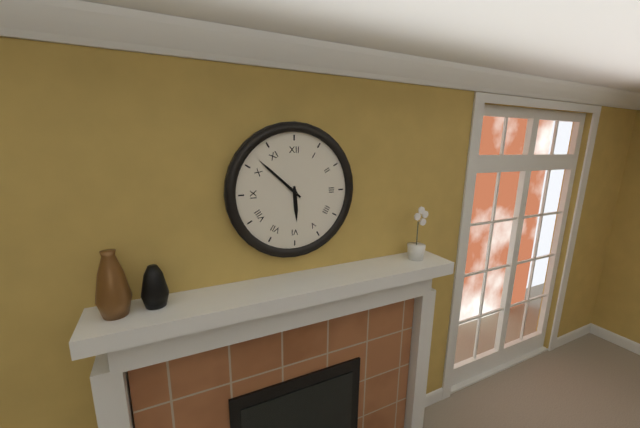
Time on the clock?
5:52
